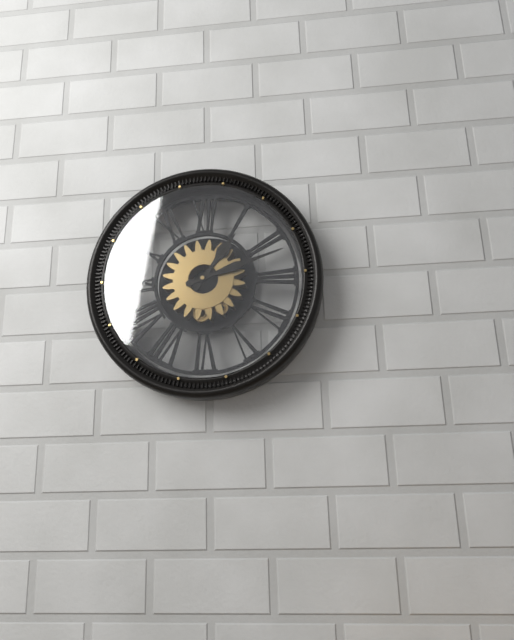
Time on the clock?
1:12
